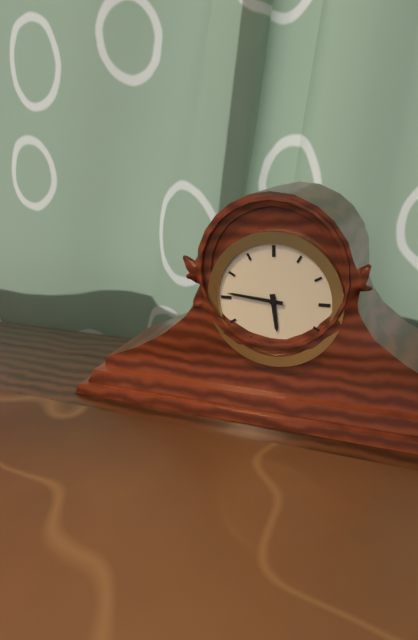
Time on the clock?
5:46
